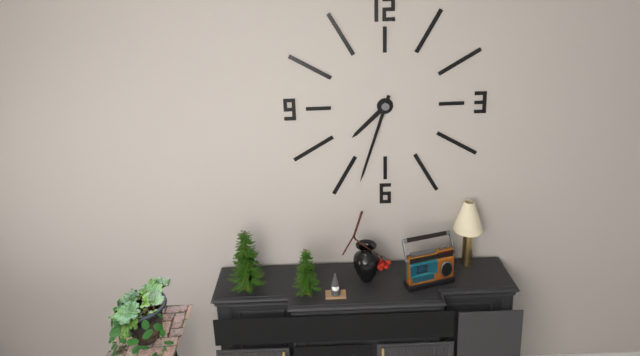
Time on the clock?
7:33
